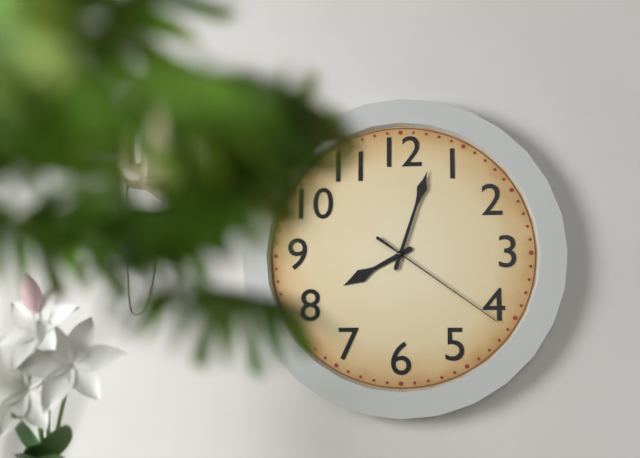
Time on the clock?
8:03:21
